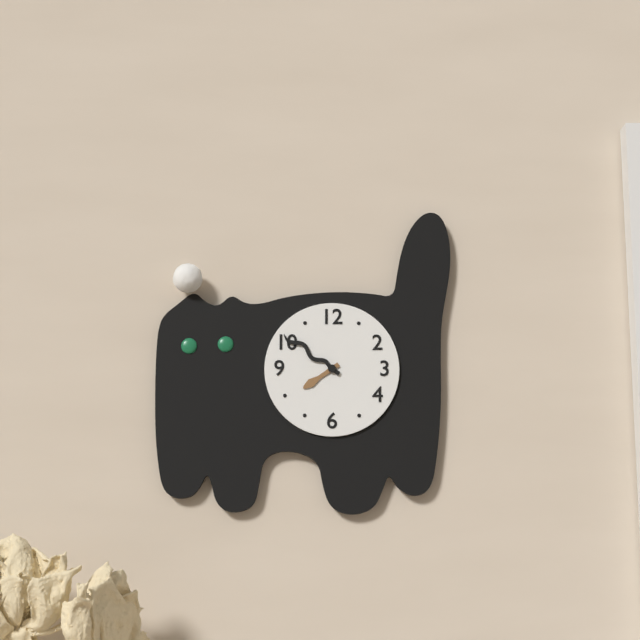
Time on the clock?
7:51
